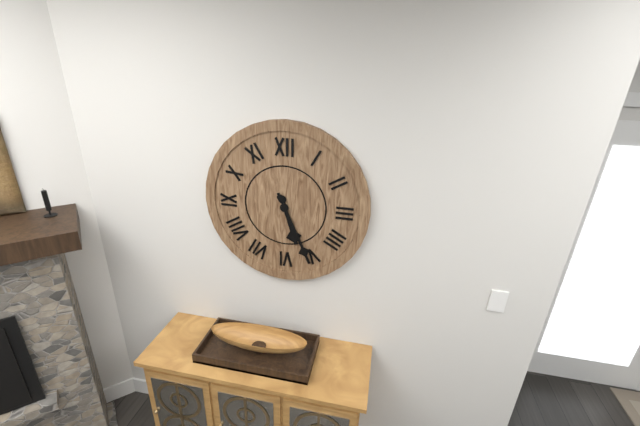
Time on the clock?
5:26
